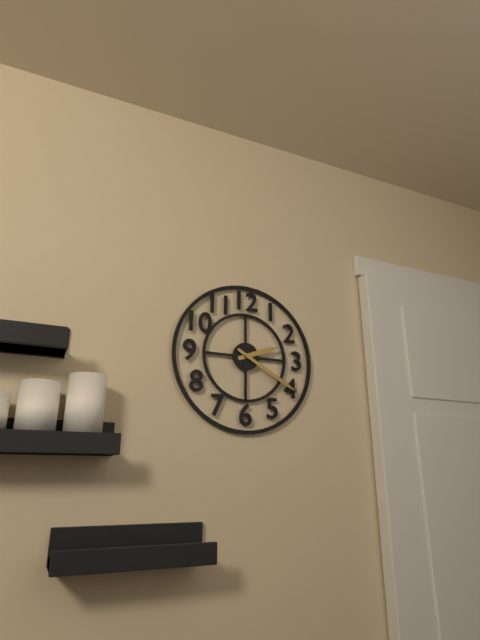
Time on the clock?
2:20
